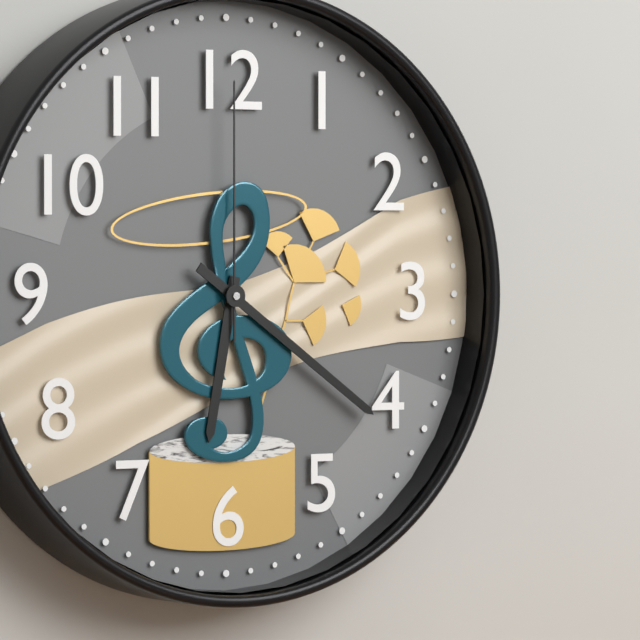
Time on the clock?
6:21:00
